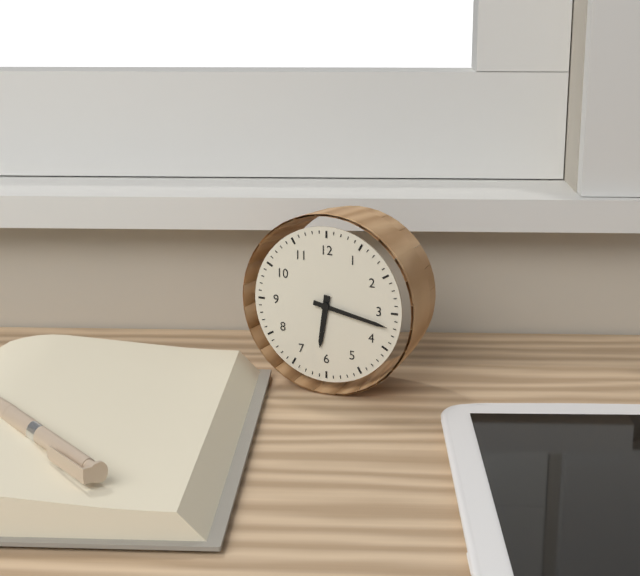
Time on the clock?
6:17
